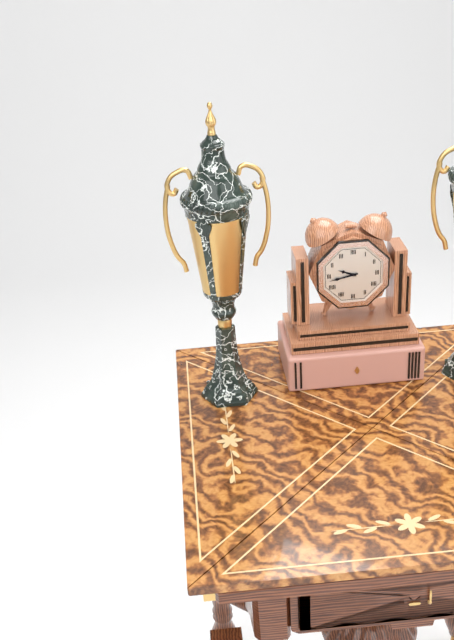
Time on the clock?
9:43
